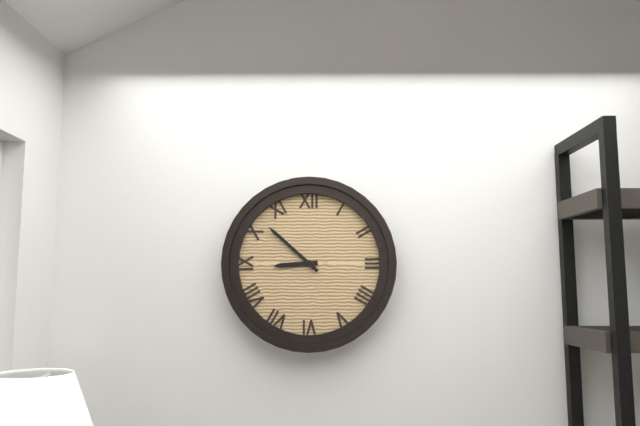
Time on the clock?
8:52
